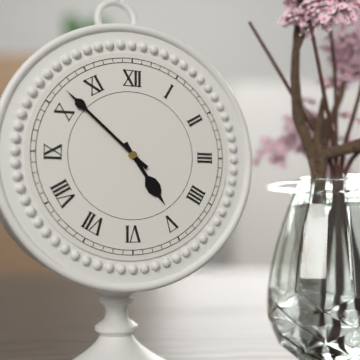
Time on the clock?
4:52
